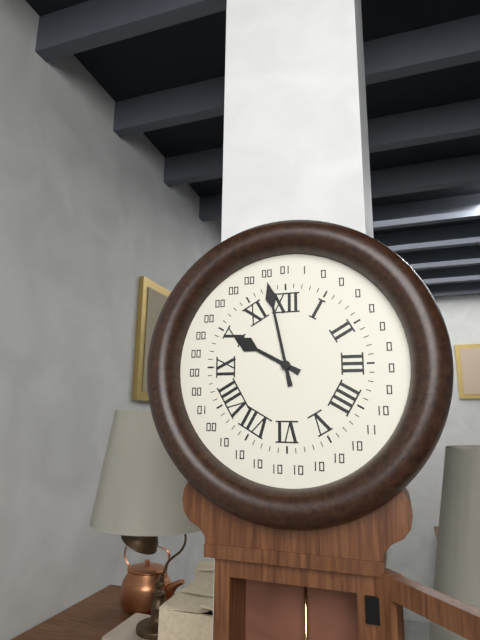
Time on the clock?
9:58
